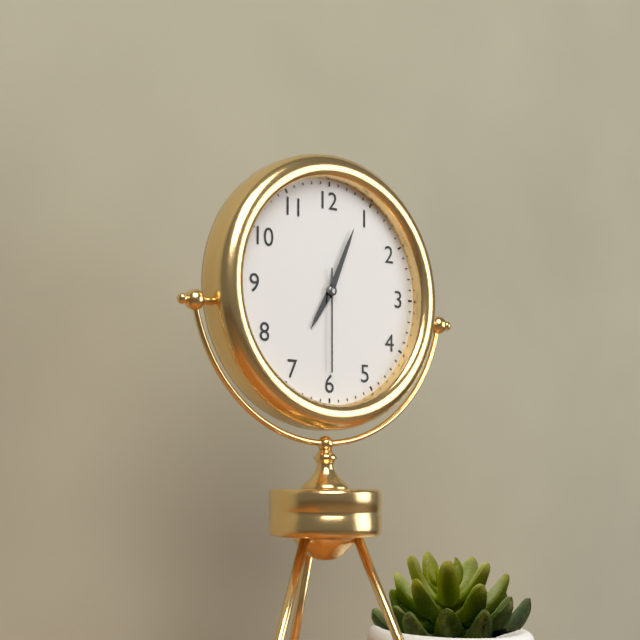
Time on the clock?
7:04:30
